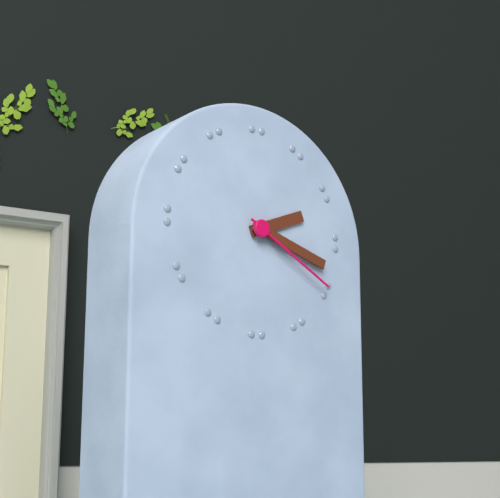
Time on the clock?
2:18:20
